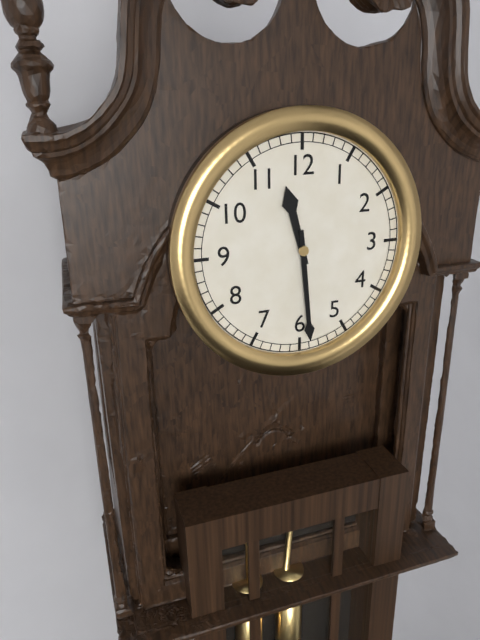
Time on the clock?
11:29
